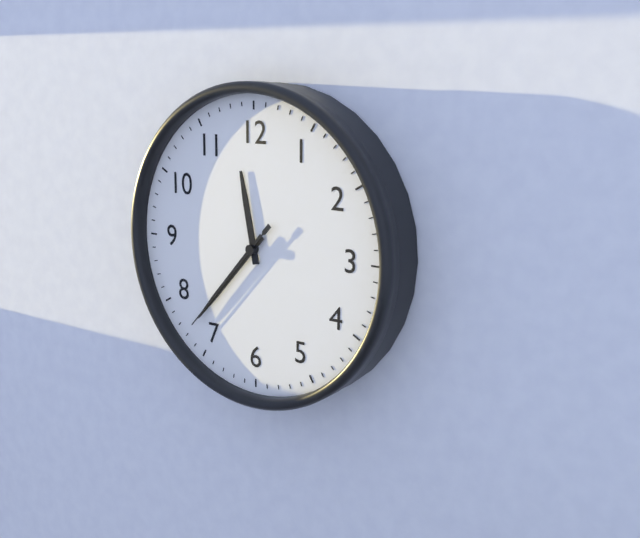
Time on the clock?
11:37:37
